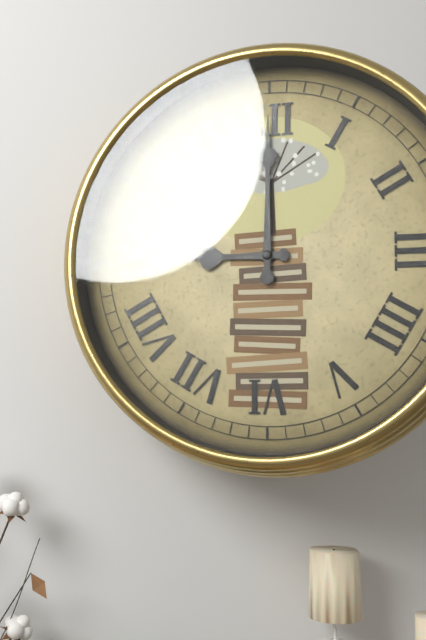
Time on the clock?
9:00
